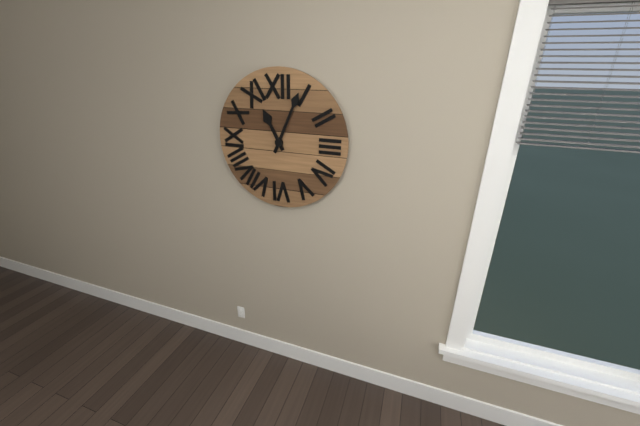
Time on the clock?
11:04
